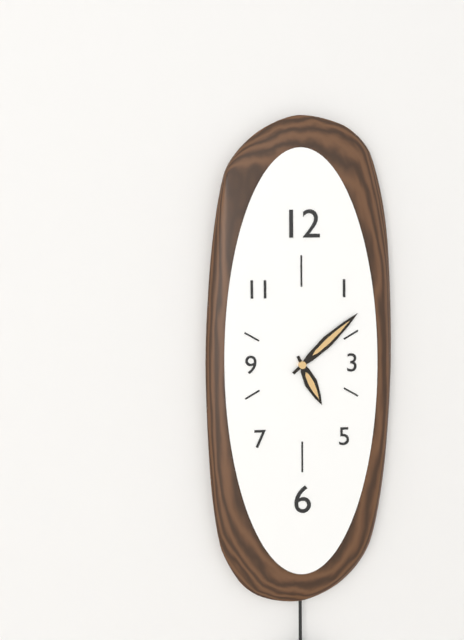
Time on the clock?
5:08
